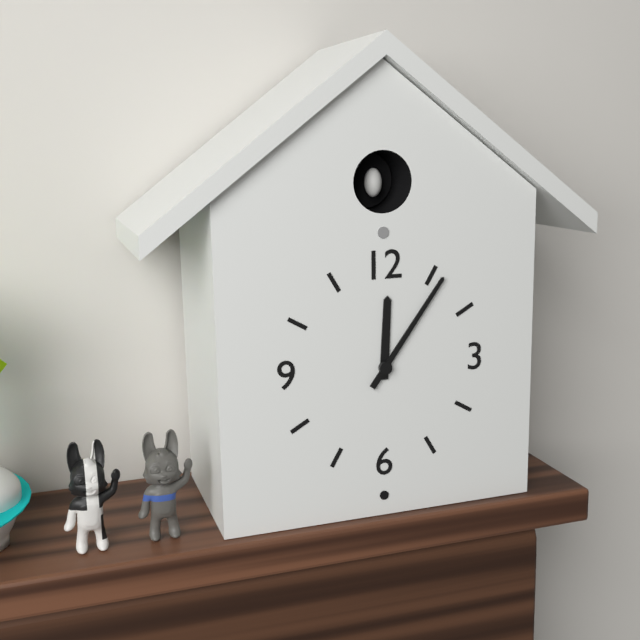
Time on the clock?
12:06
